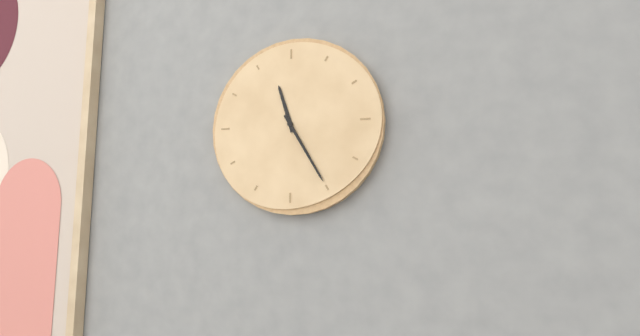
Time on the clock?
11:25
